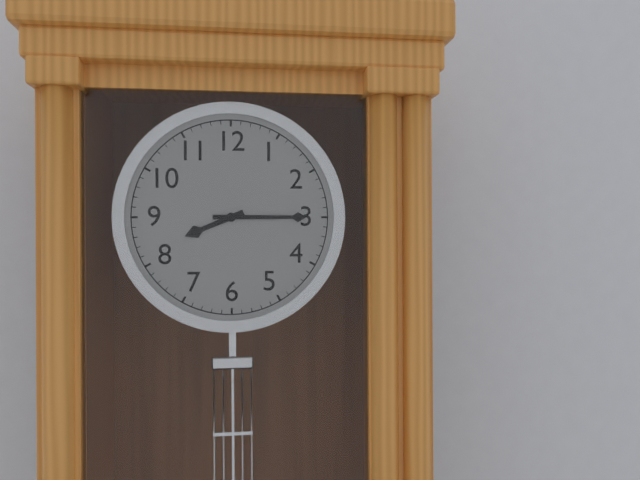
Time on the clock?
8:15
